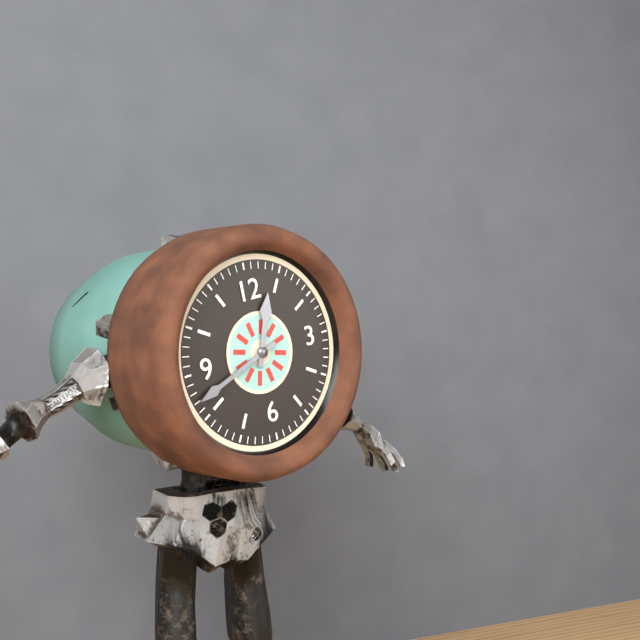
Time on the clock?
12:42
